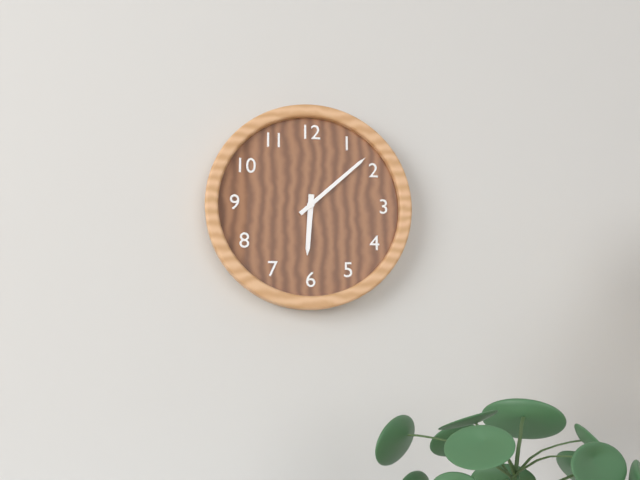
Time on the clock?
6:08
